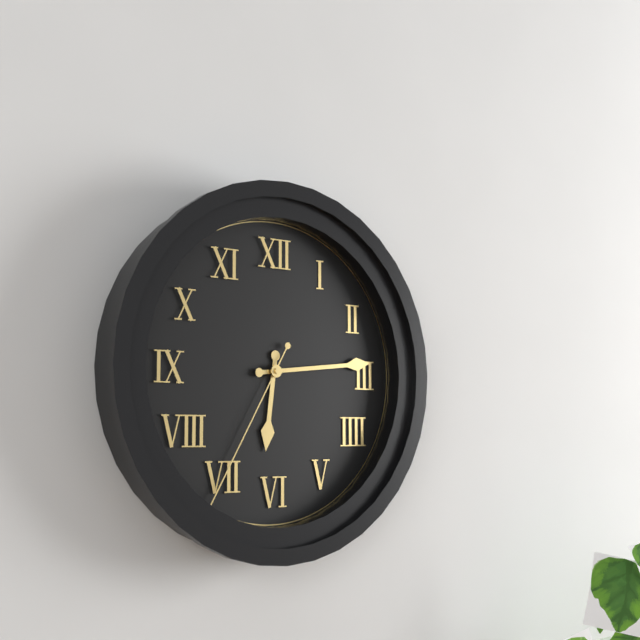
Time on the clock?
6:14:35
